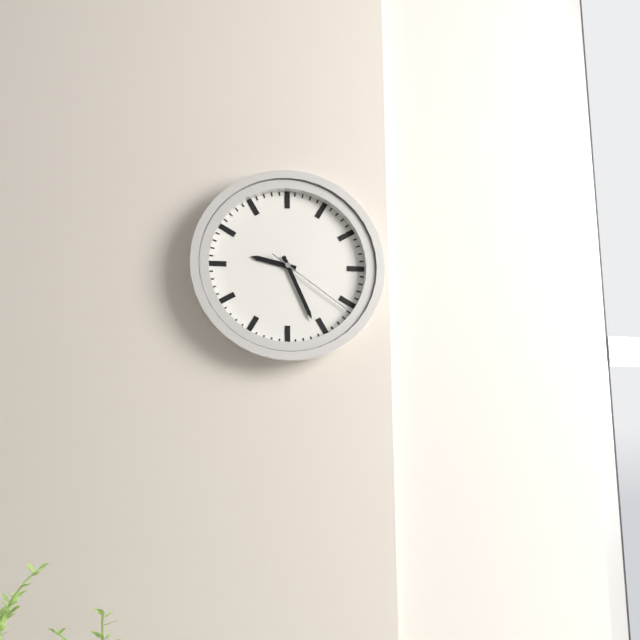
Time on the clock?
9:26:21
